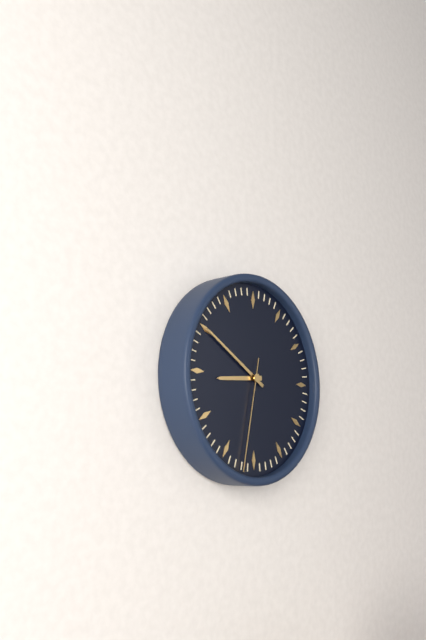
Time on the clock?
8:50:32
